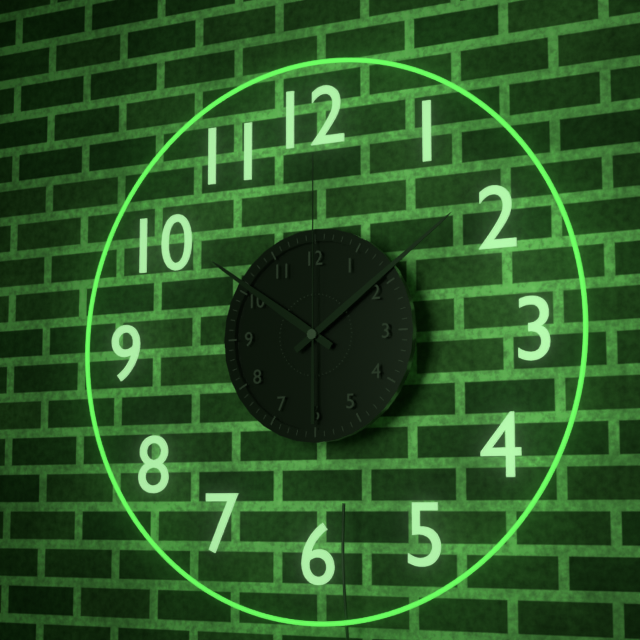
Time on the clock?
10:09:00
